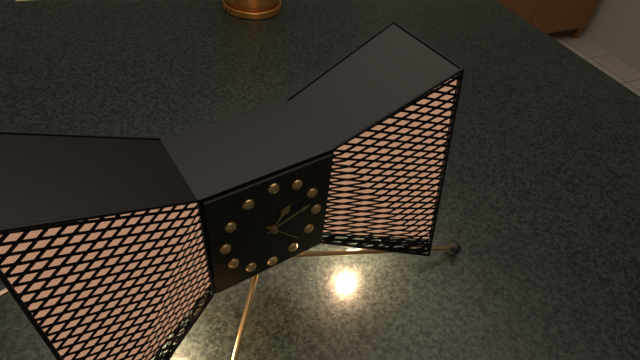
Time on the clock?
1:12
